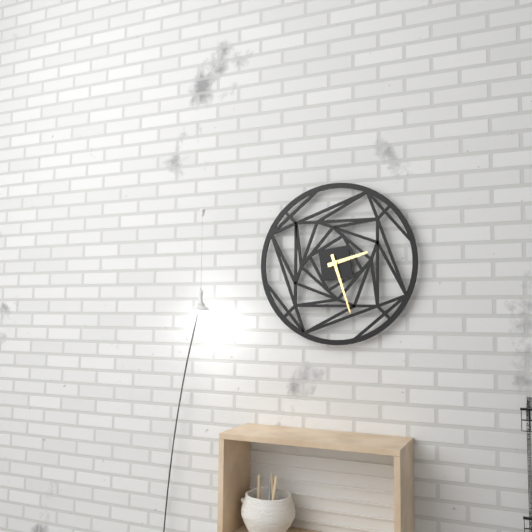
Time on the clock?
2:27
